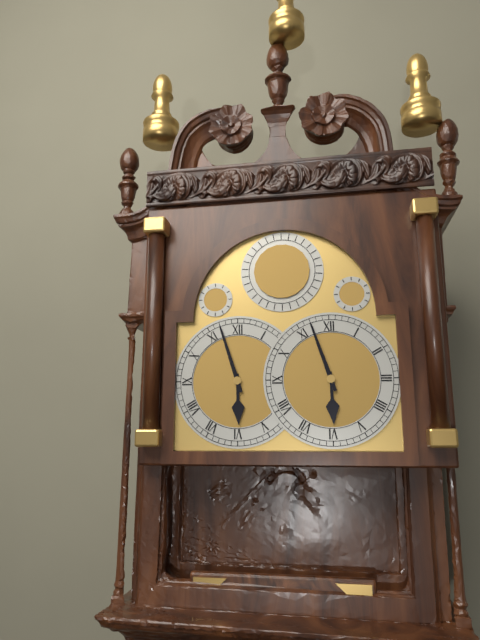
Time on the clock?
5:57
